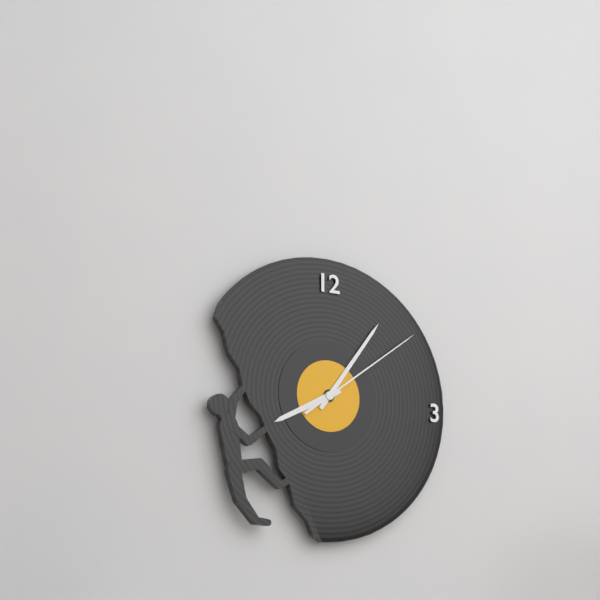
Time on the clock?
8:06:09
